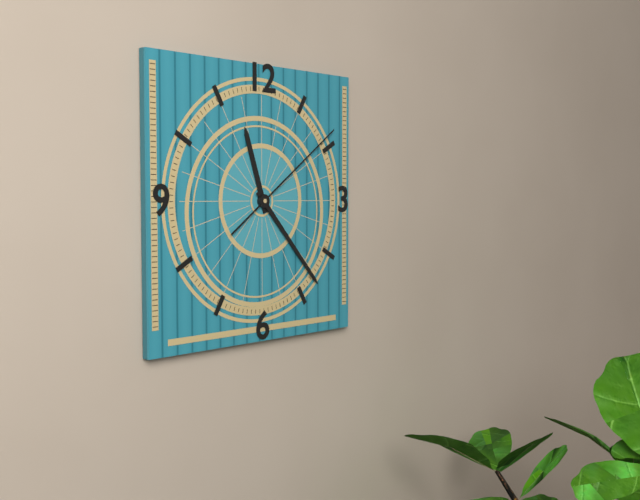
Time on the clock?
11:23:09
